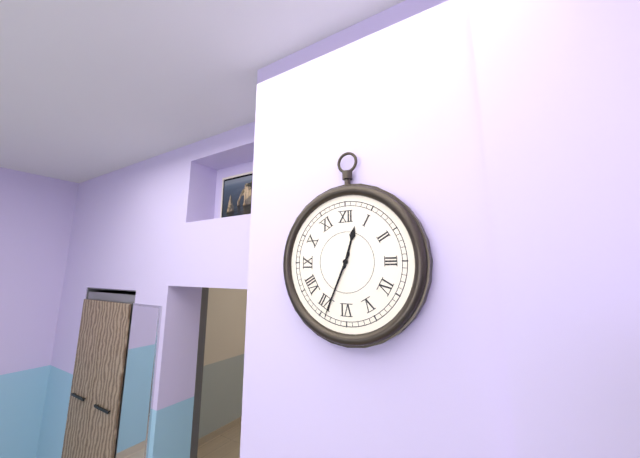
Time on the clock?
12:34
